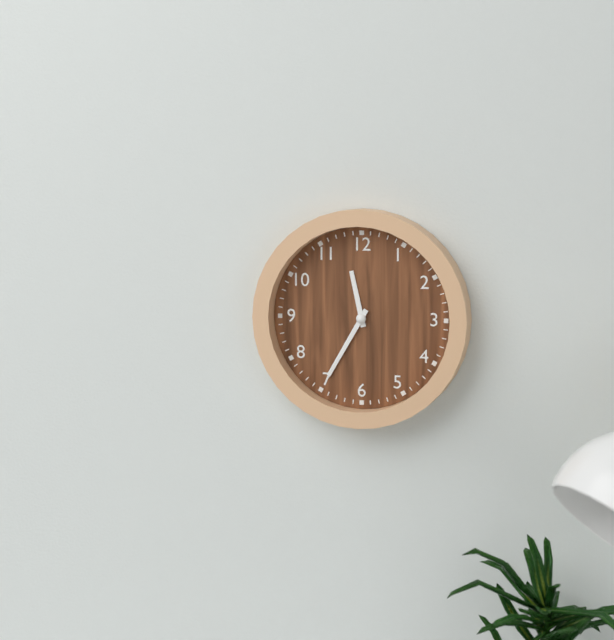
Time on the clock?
11:35
